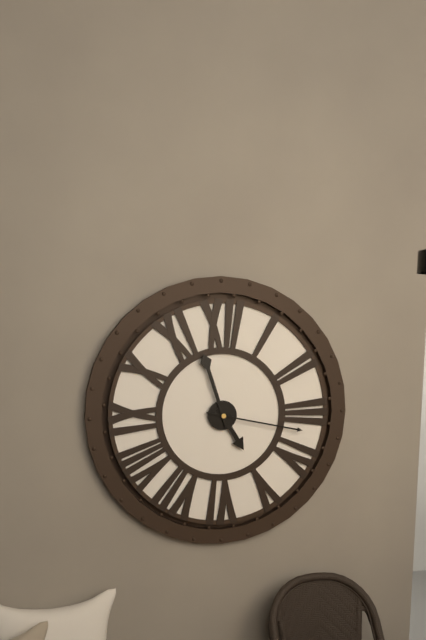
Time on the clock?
4:57:17
